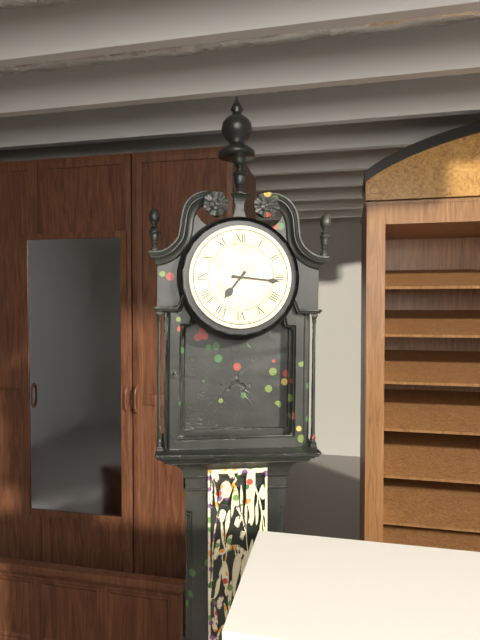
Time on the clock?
7:16
